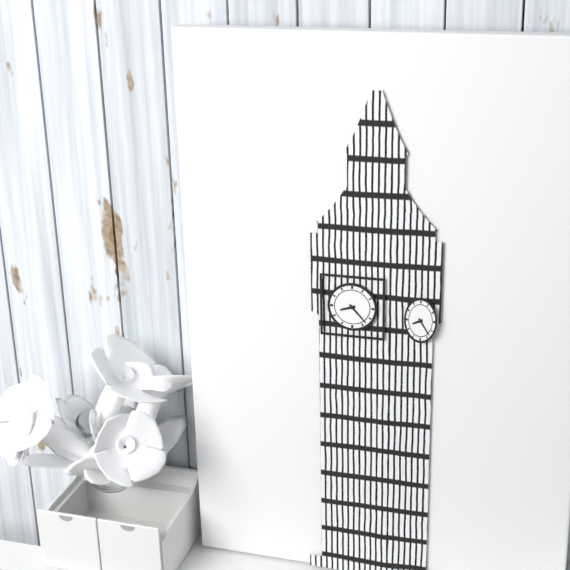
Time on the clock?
8:23
